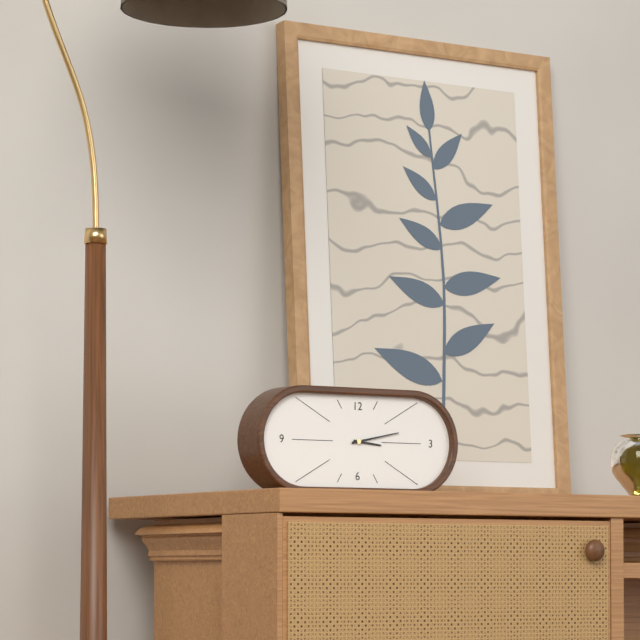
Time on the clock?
3:13
